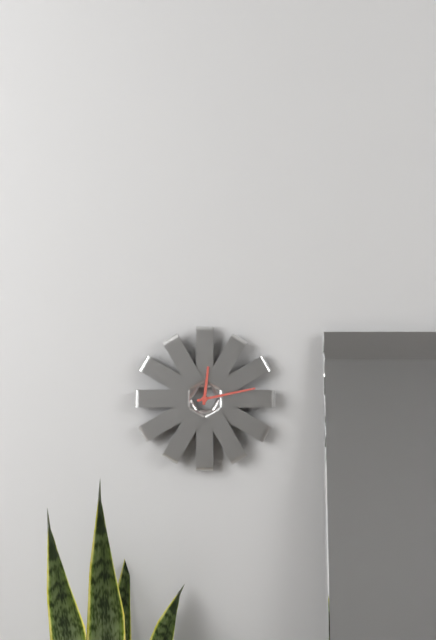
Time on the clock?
12:13
